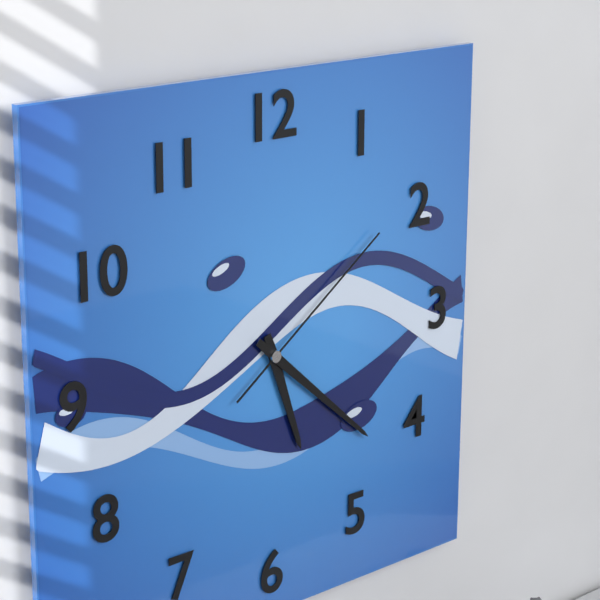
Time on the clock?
5:22:09
